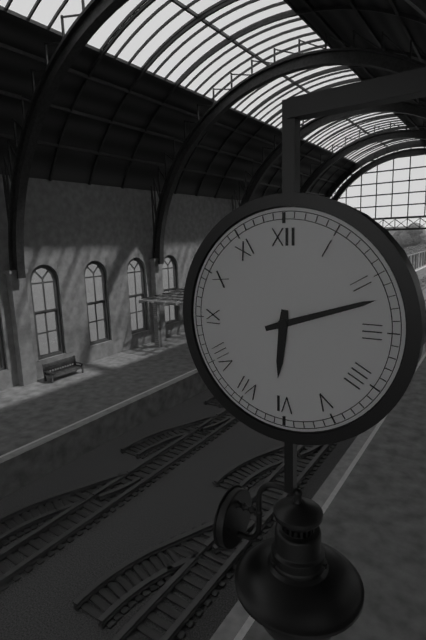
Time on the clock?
6:12
